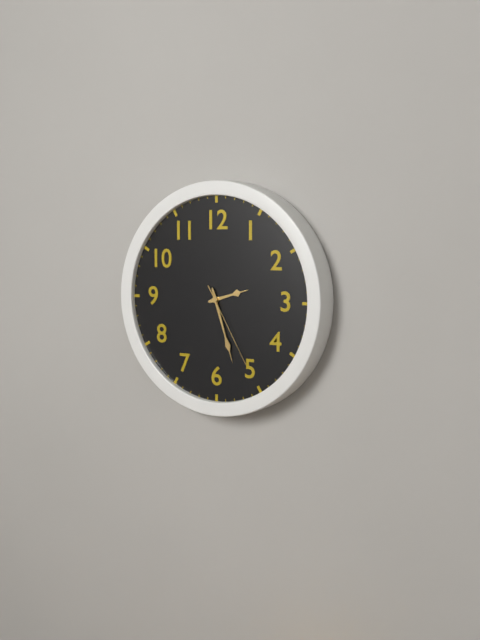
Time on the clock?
2:27:25
